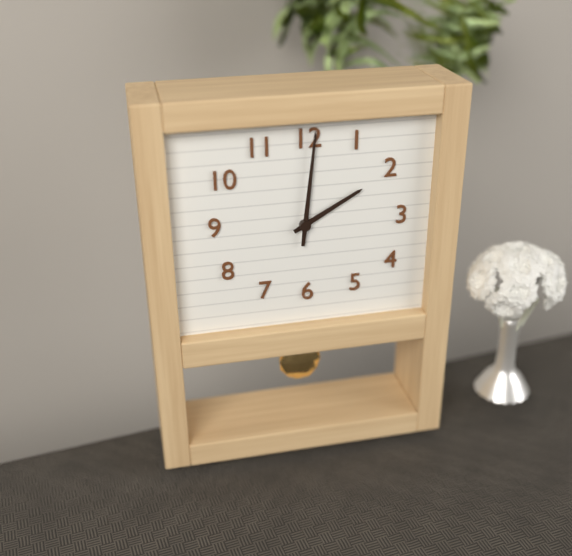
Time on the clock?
2:01
